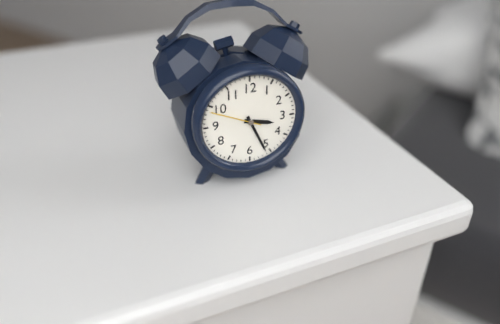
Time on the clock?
3:26:49
